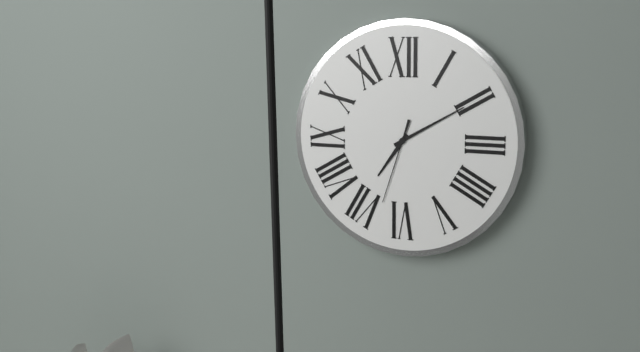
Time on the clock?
7:10:33
